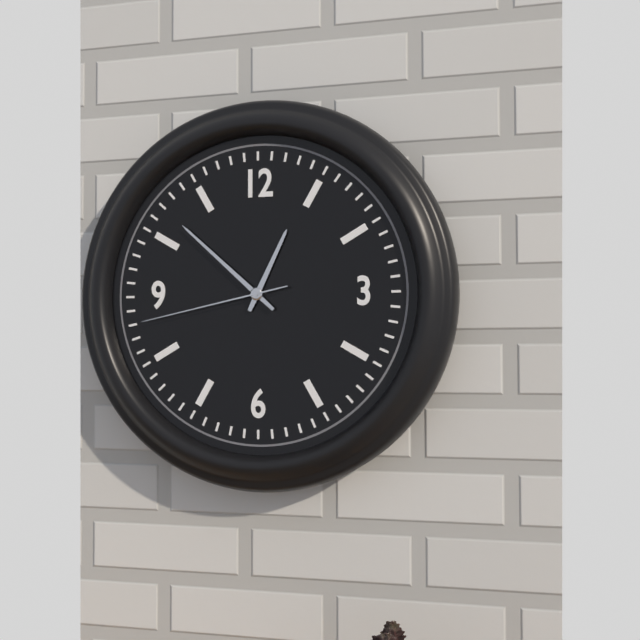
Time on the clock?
12:52:43
